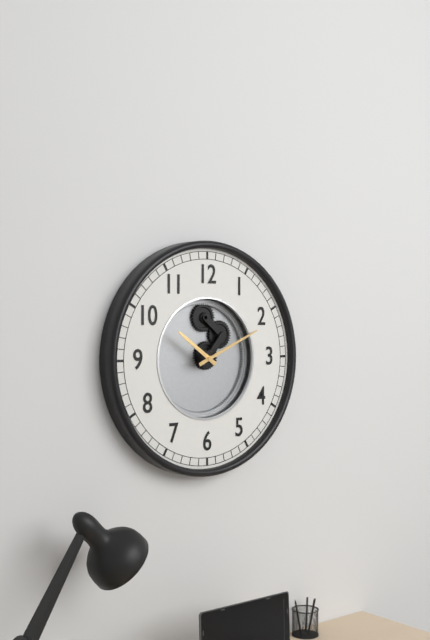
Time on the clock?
10:11
